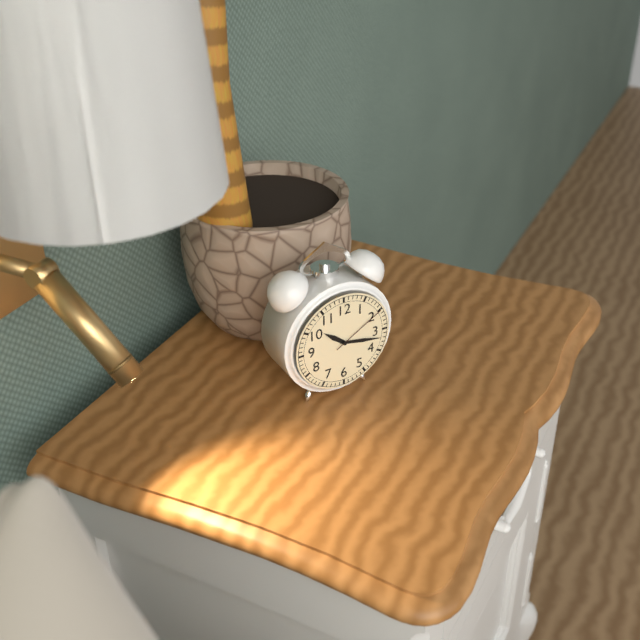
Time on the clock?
10:17:10
